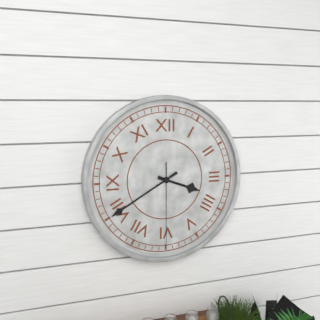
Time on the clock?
3:40:30
